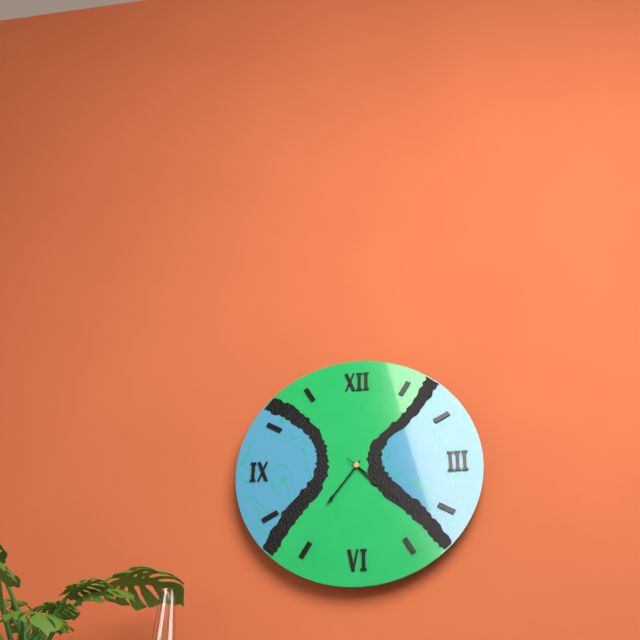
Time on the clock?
4:36:22
